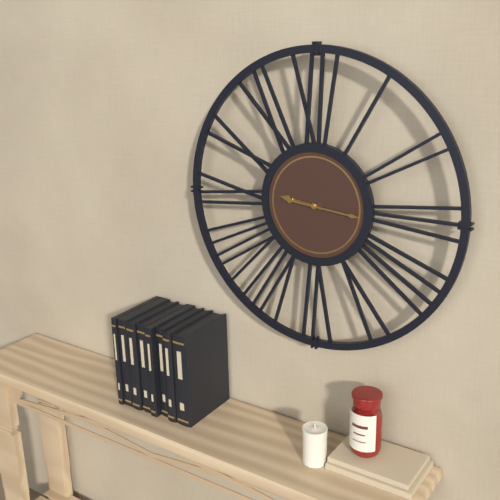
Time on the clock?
9:16
